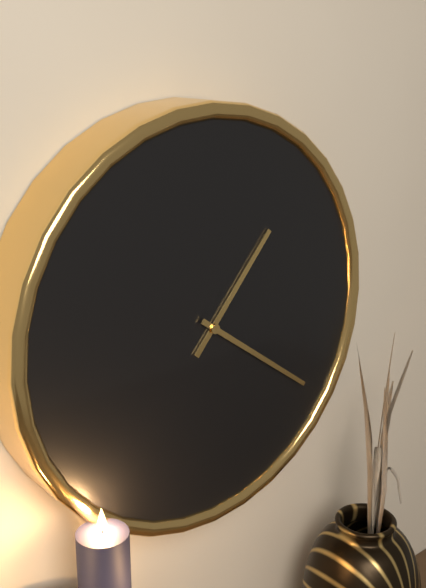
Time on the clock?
1:21
